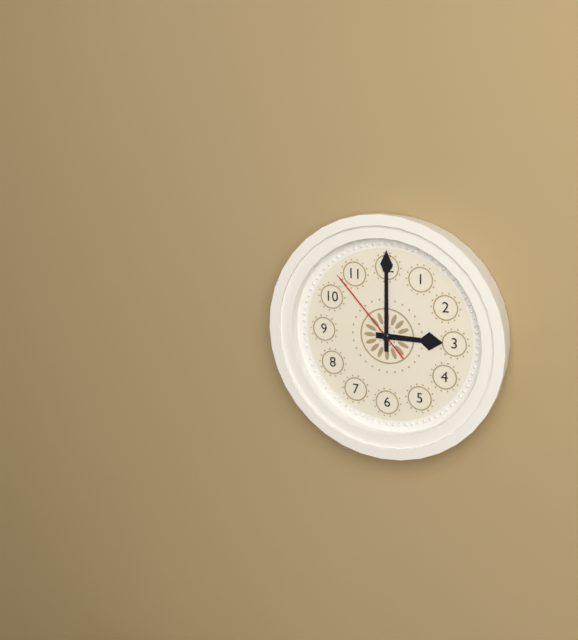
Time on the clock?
3:00:53
